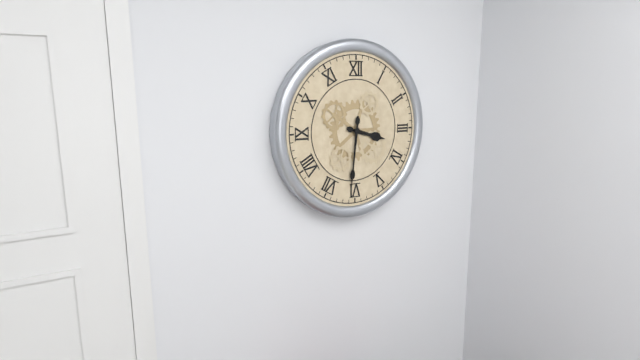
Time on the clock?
3:31
